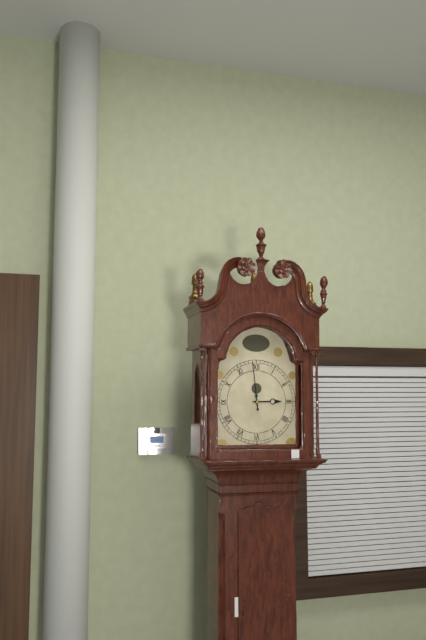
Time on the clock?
2:59
